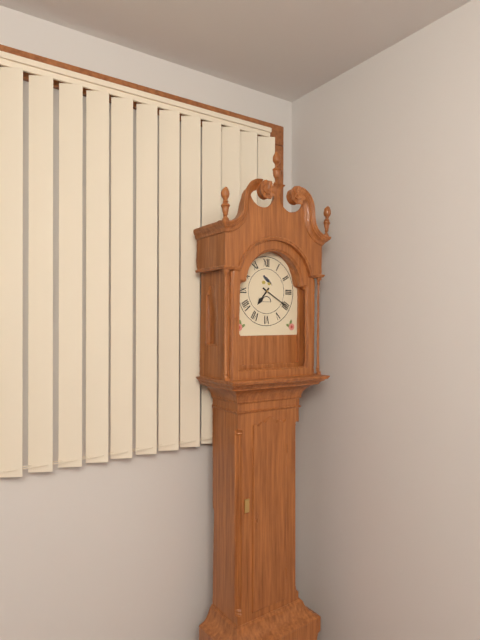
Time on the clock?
7:20
